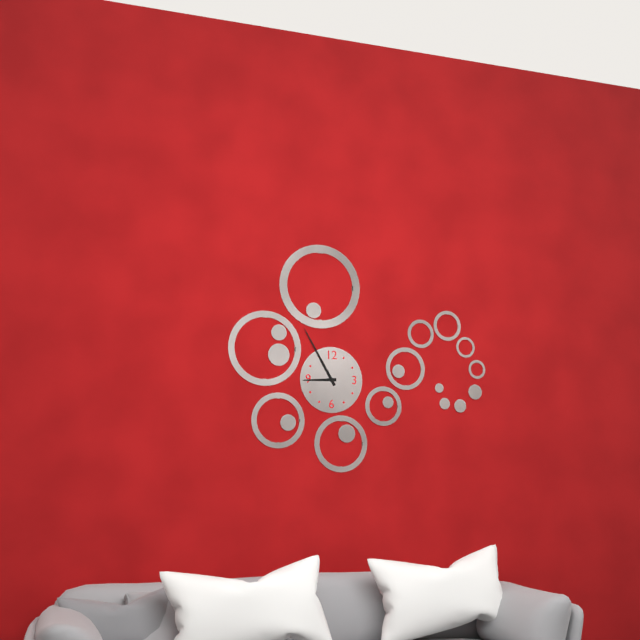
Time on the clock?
8:55
